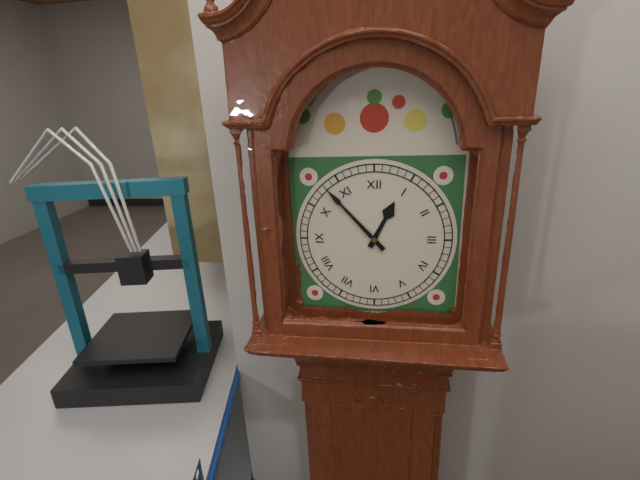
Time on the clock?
12:53
